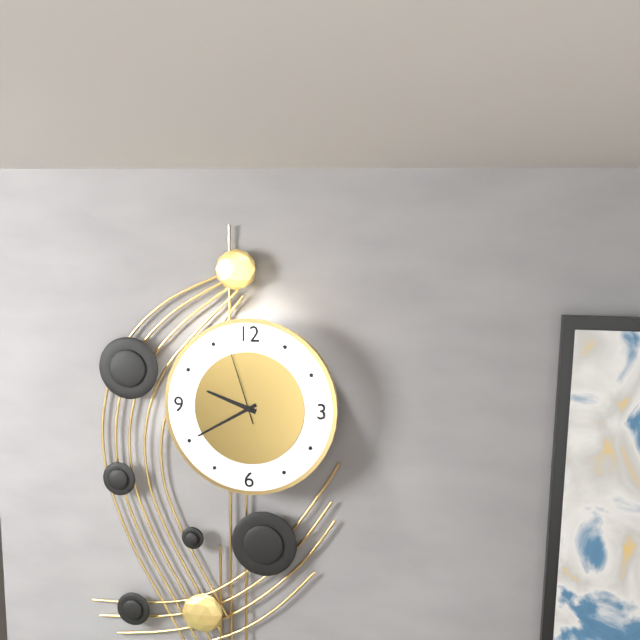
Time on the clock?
9:40:57
